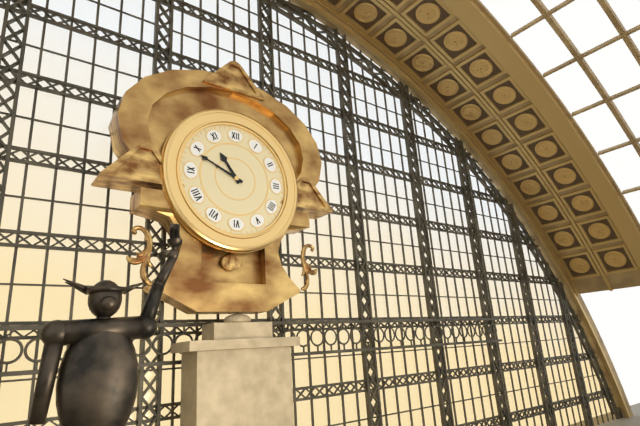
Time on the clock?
10:49
